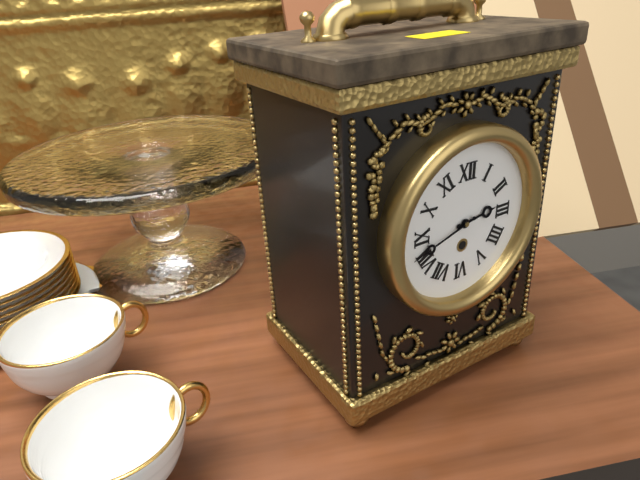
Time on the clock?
2:42
